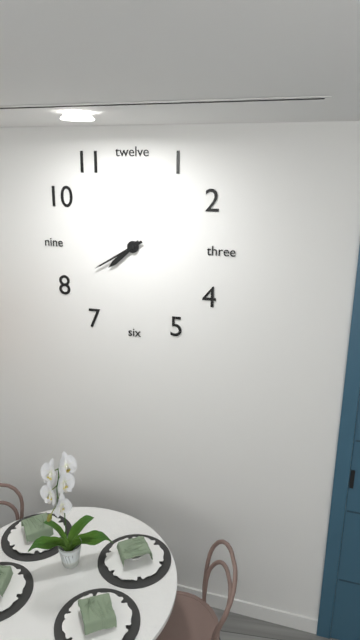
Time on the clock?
7:40
